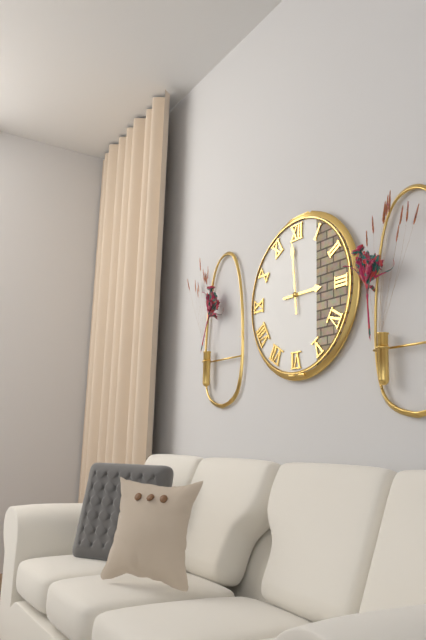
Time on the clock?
2:59
